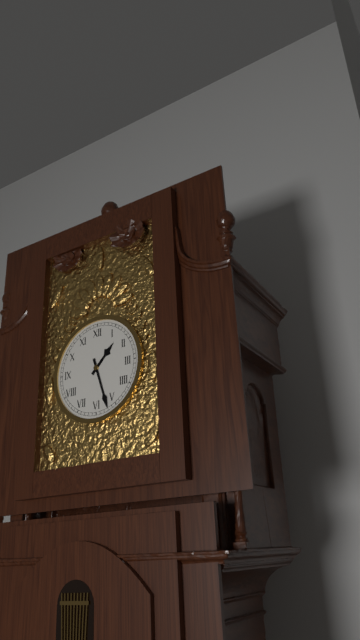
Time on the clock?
1:27
